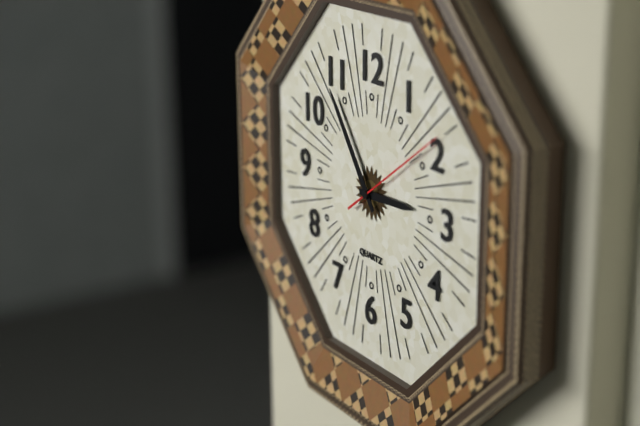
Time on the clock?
2:54:09
